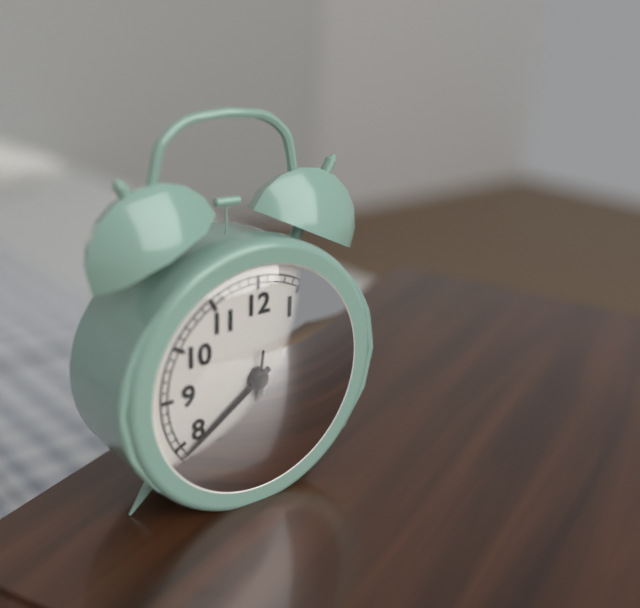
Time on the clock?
5:39:31
